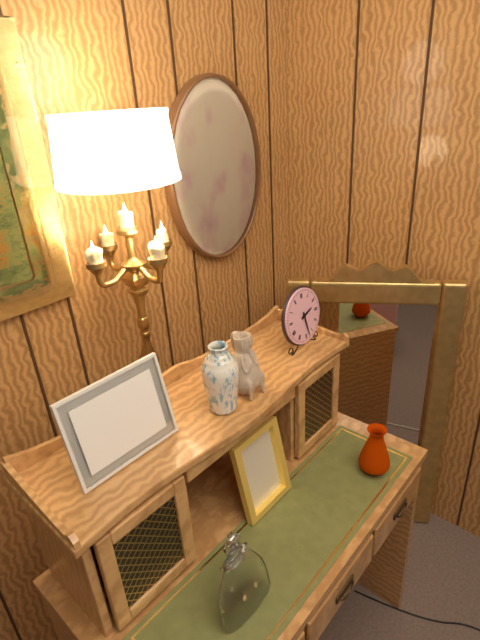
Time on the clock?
2:28
